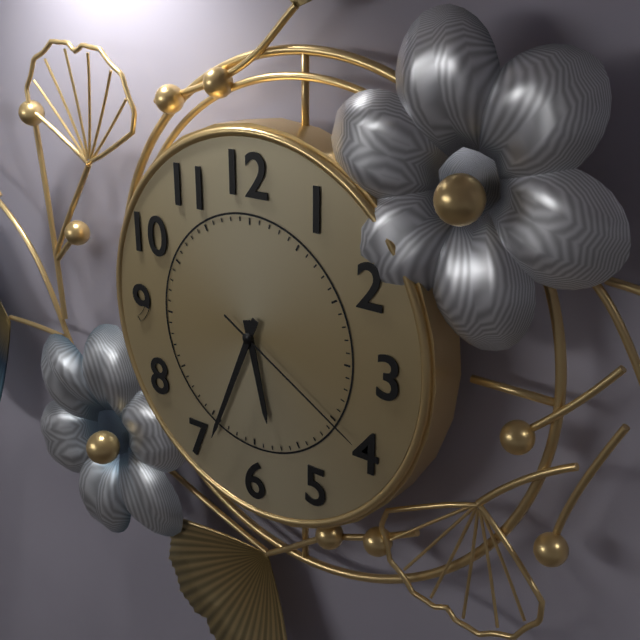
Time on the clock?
5:34:20
